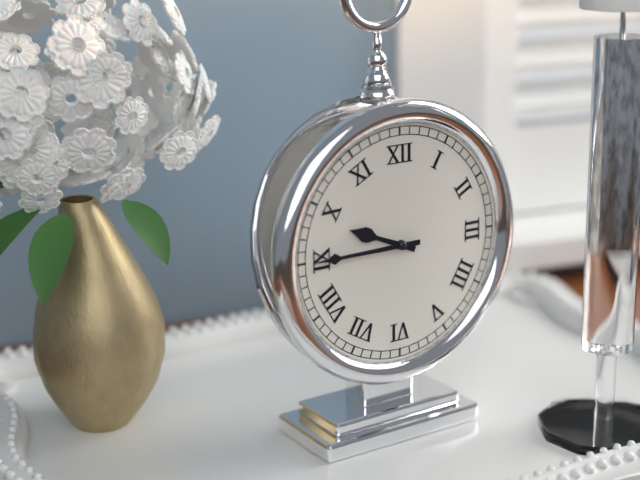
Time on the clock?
9:45
